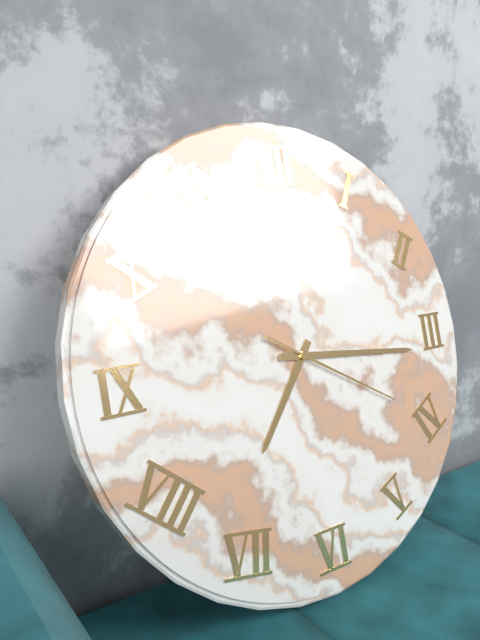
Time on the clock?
7:16:20
